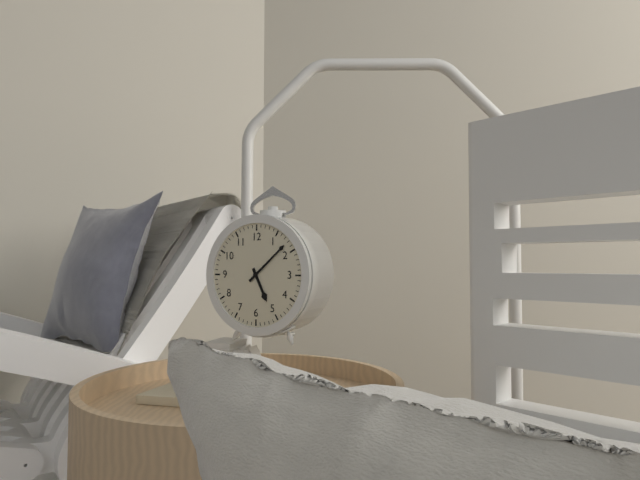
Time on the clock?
5:08
